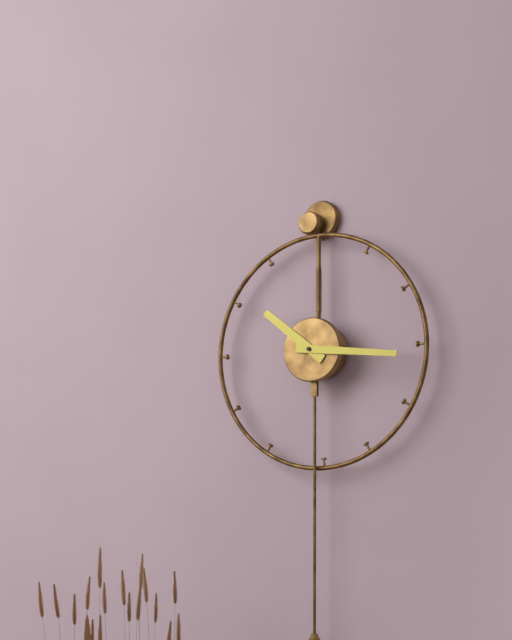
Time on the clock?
10:16
